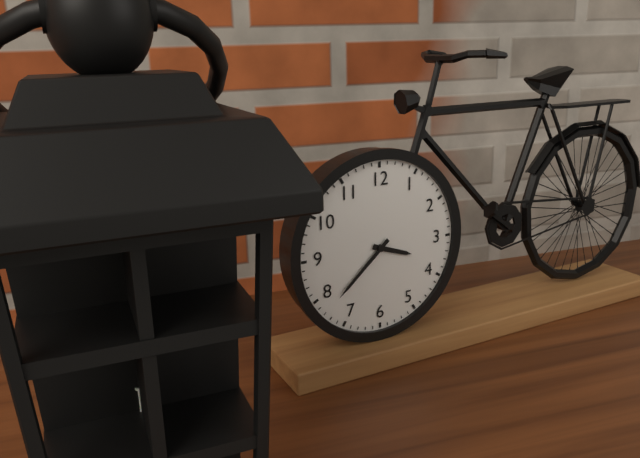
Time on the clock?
3:38
